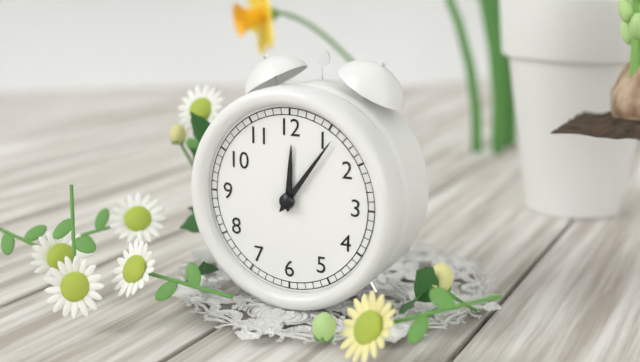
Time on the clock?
12:06
